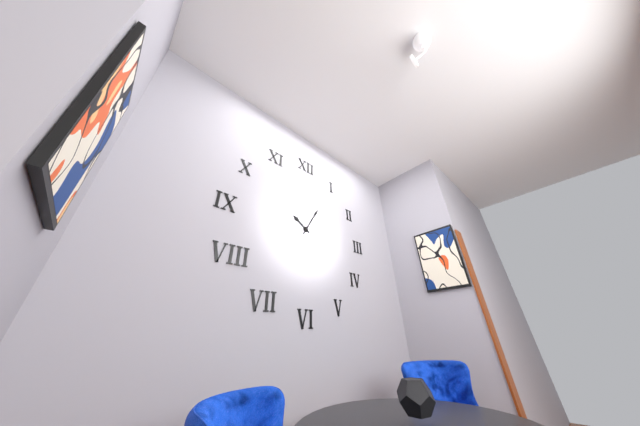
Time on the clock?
10:05
